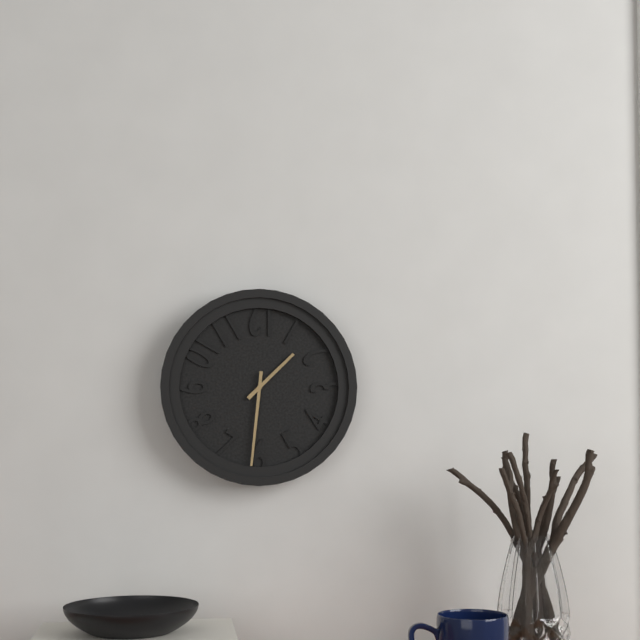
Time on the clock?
1:31
